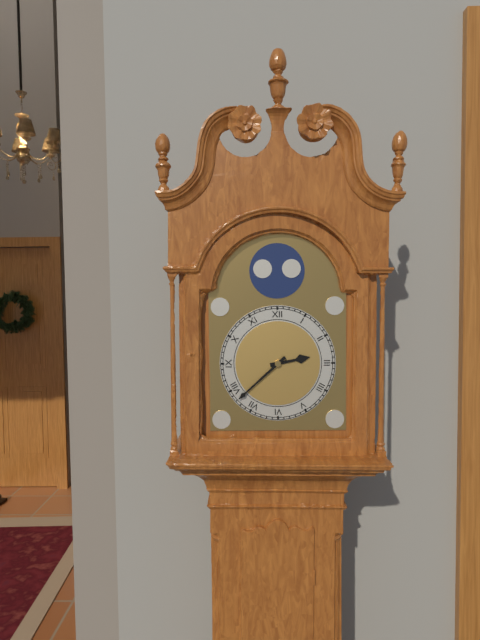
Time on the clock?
2:38
